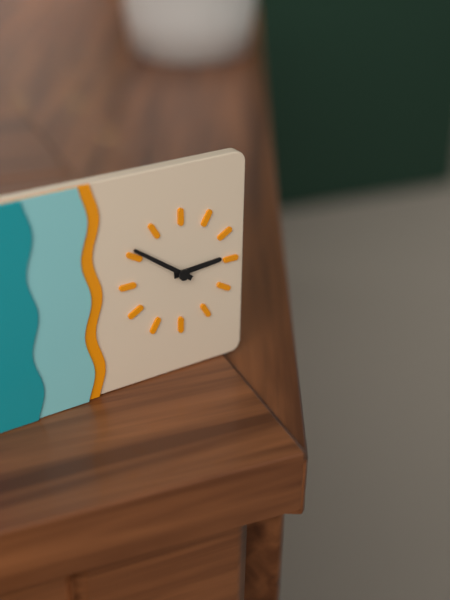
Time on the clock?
2:51
